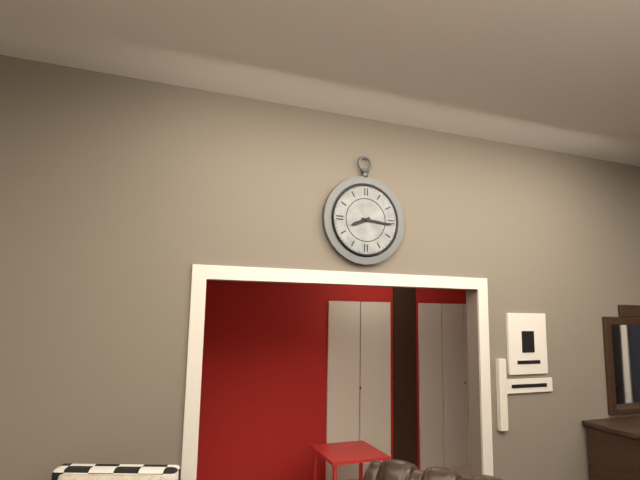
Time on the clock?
8:16
